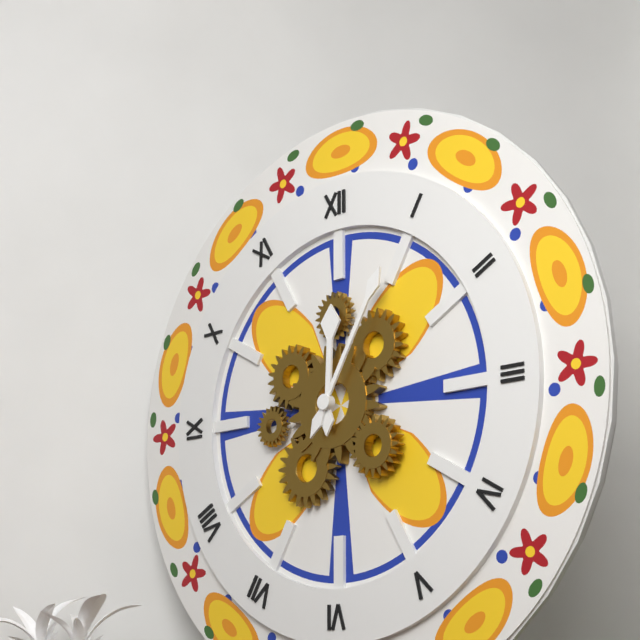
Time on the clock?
12:05
